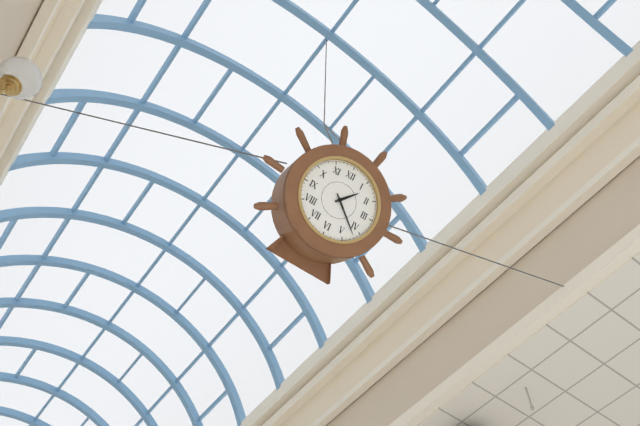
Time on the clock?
1:22
